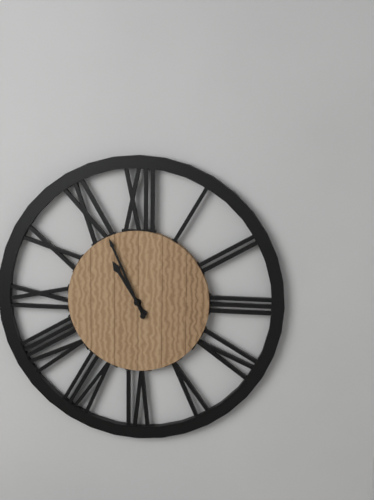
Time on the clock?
10:56
